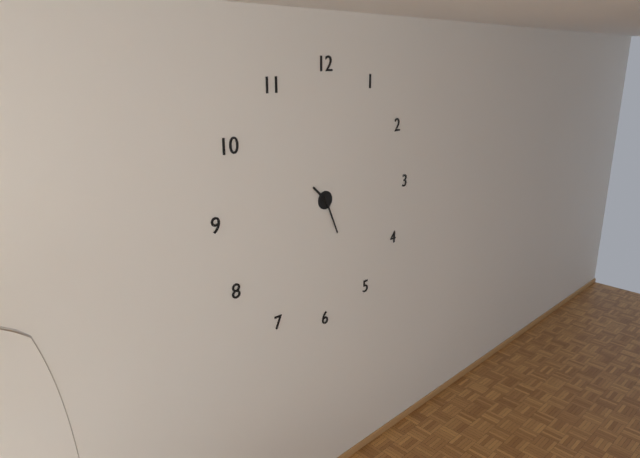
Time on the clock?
10:26
